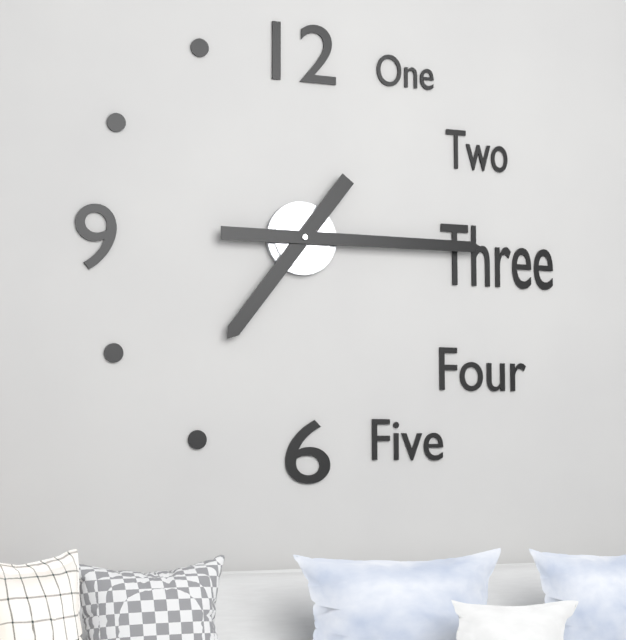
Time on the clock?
7:15
